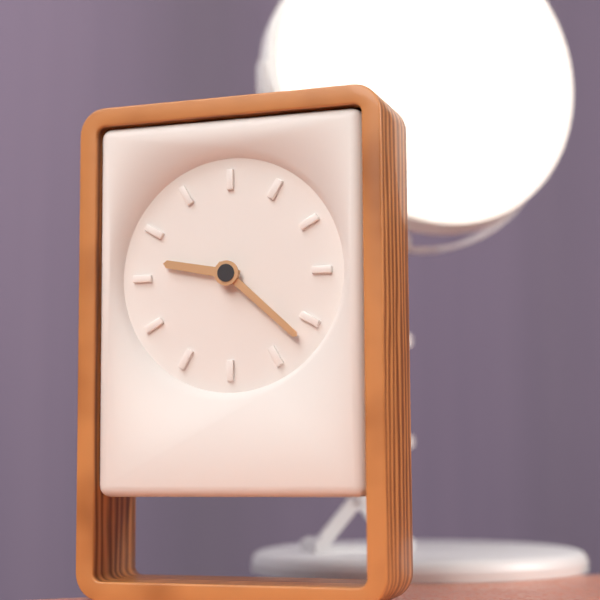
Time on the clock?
9:22
